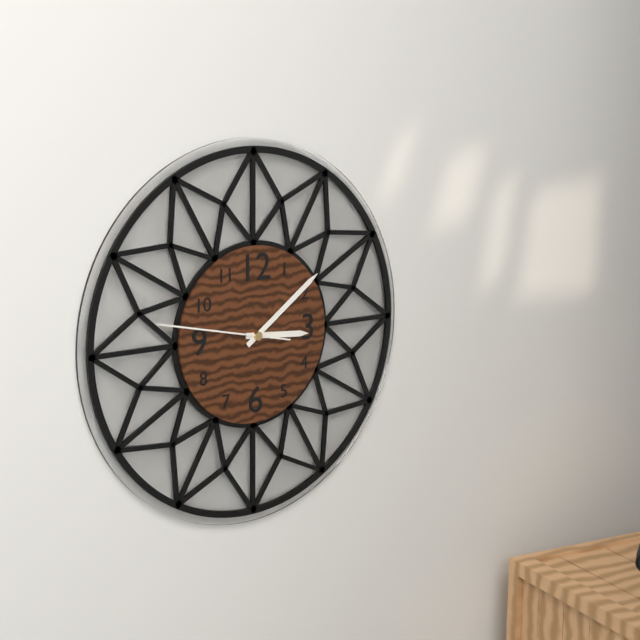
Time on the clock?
3:09:47
